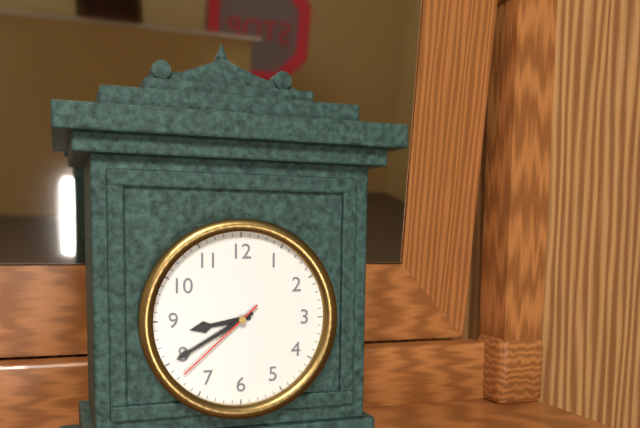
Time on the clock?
8:40:38
